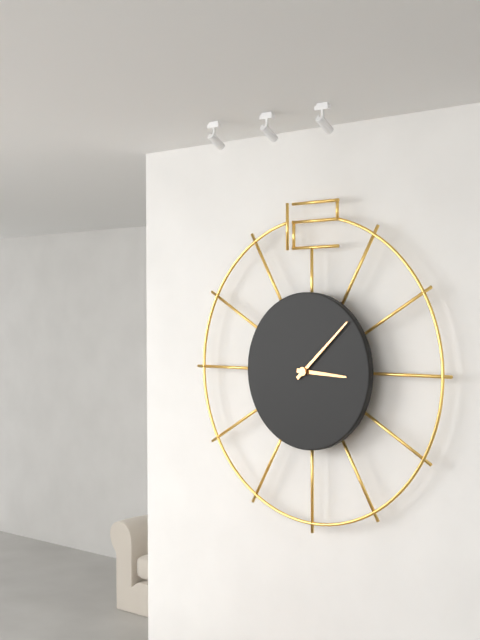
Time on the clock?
3:08
